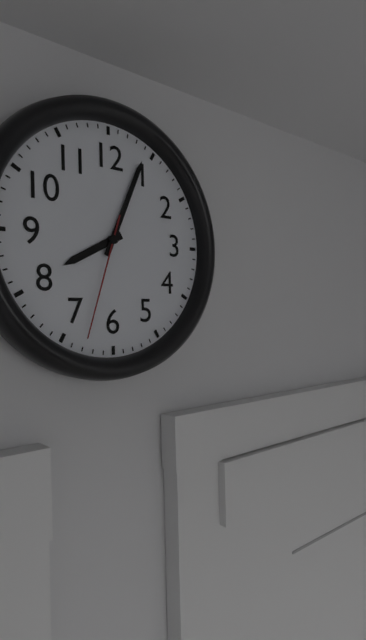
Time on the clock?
8:04:33
